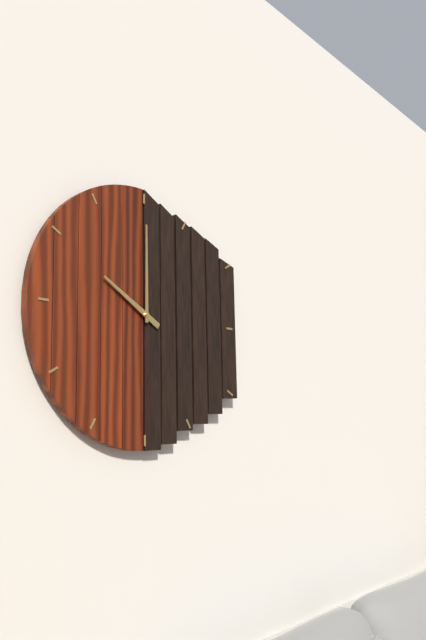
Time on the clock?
10:00
